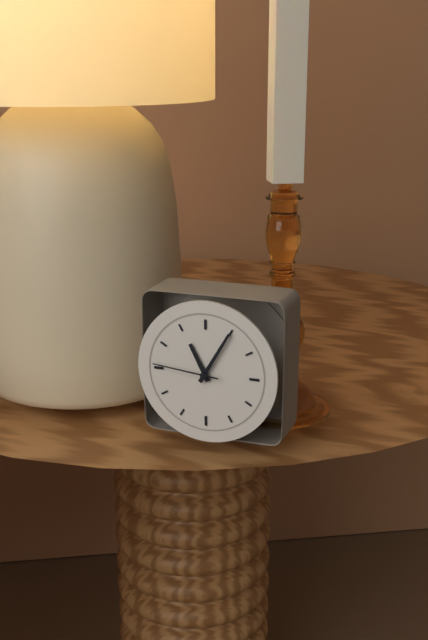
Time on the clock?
11:05:46
